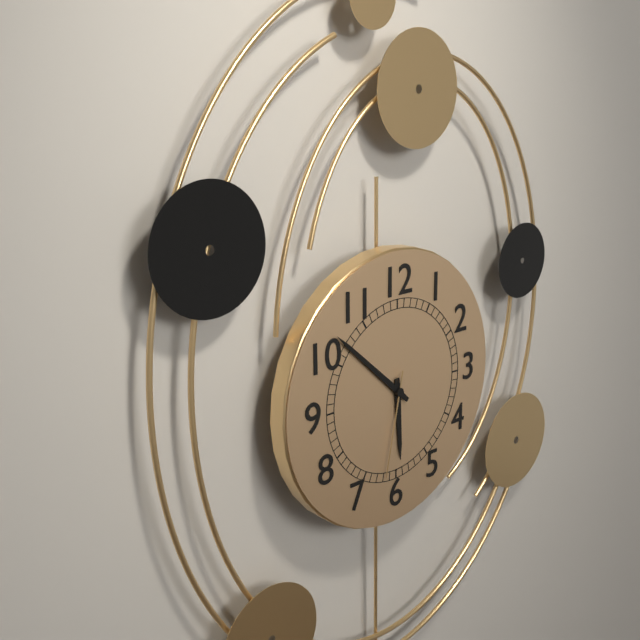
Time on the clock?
5:52:32
